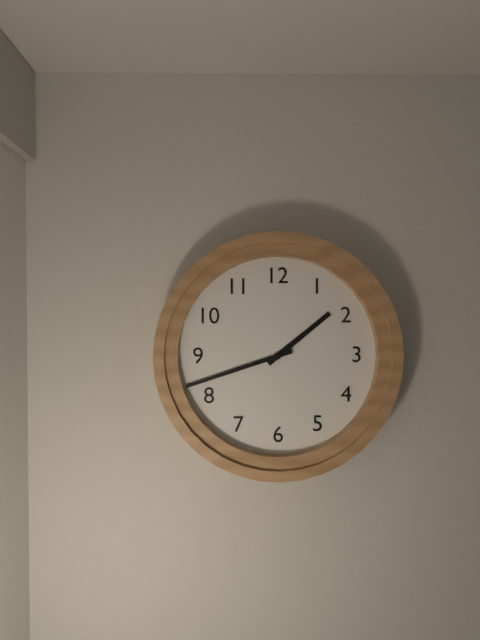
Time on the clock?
1:42
